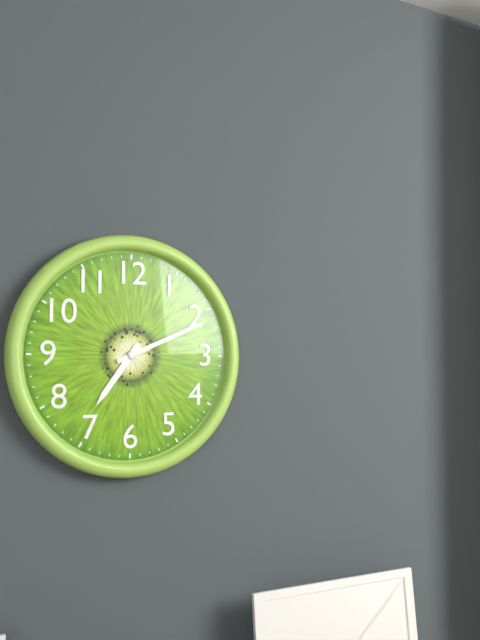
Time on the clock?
7:11
